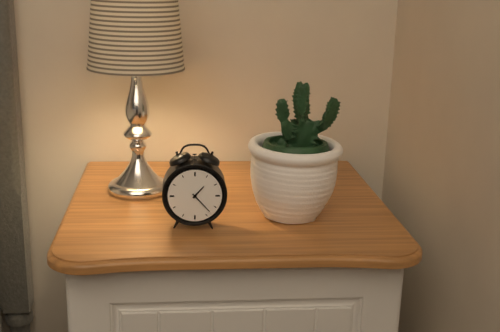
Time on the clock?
1:23
